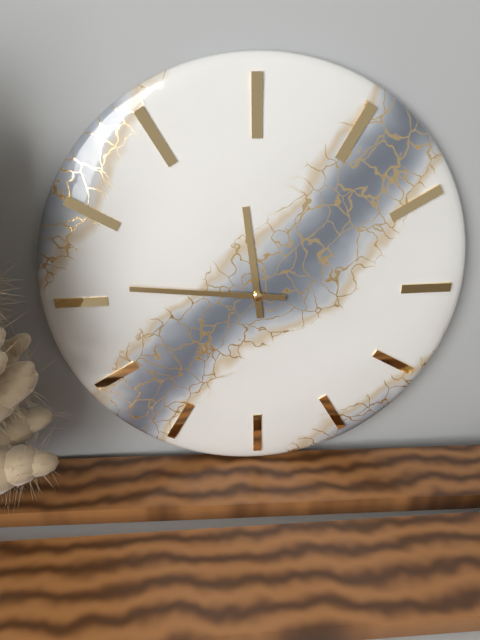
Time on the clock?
11:46
